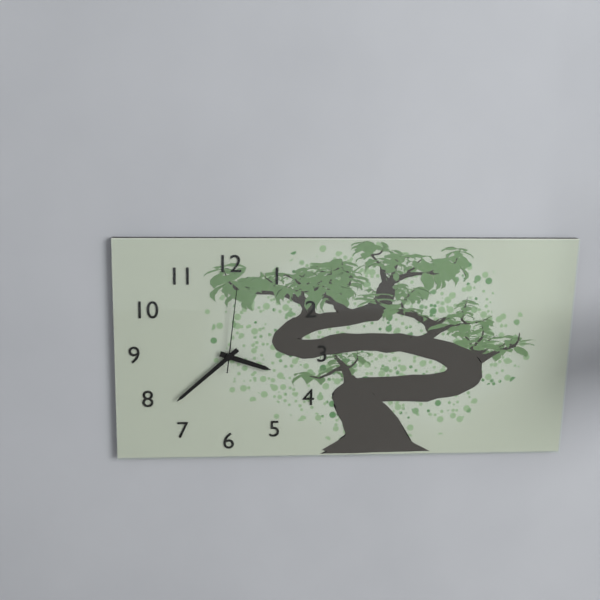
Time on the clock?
3:38:01
